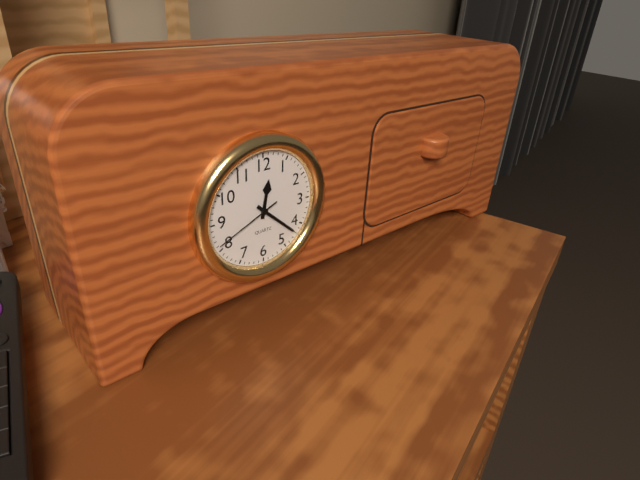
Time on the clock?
12:22:41
